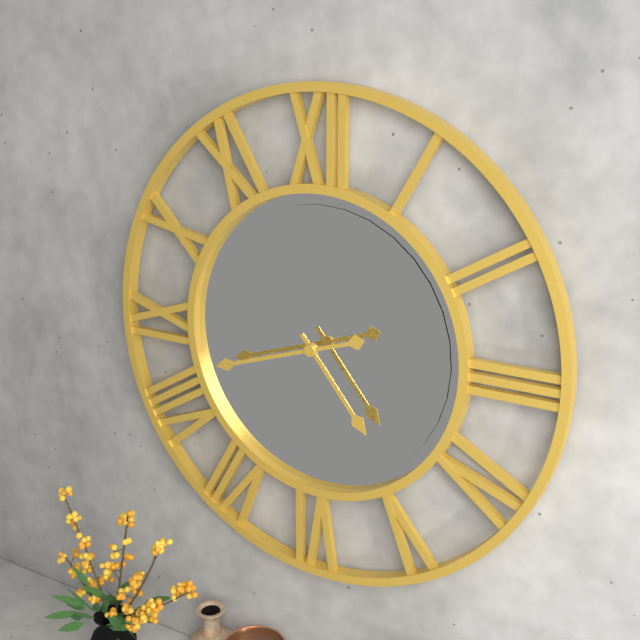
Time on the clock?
4:42
